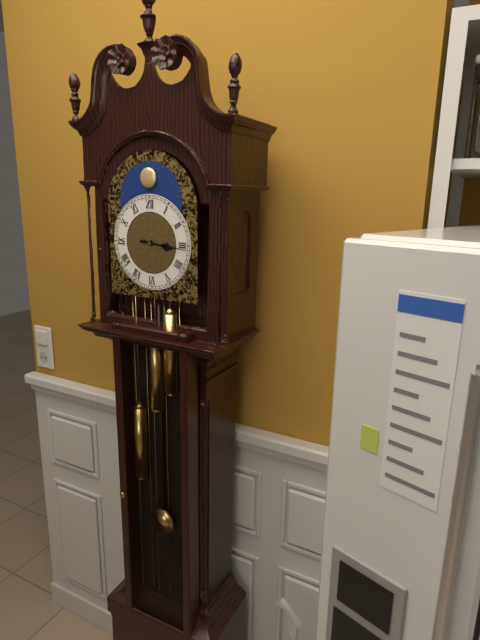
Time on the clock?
3:16
